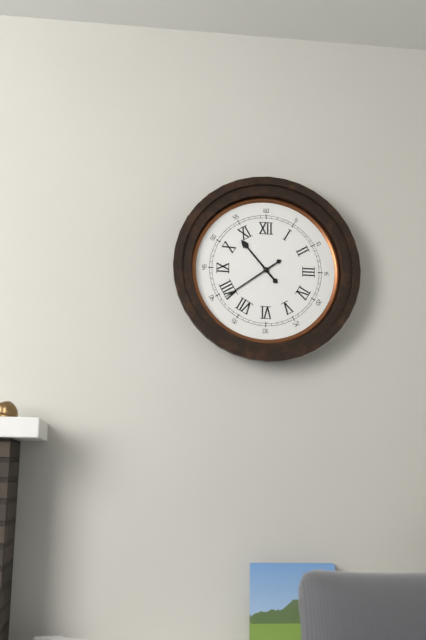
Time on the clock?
10:39
